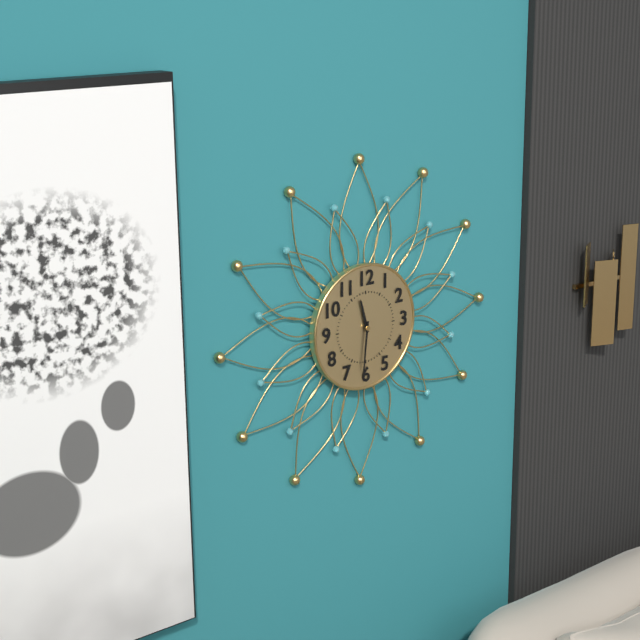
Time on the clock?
11:31
